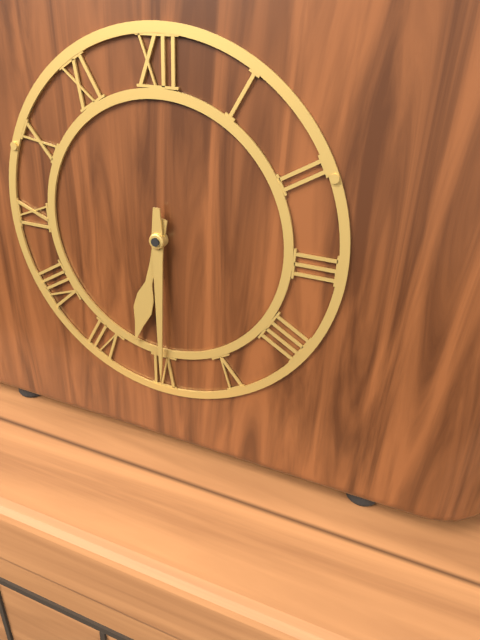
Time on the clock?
6:30
